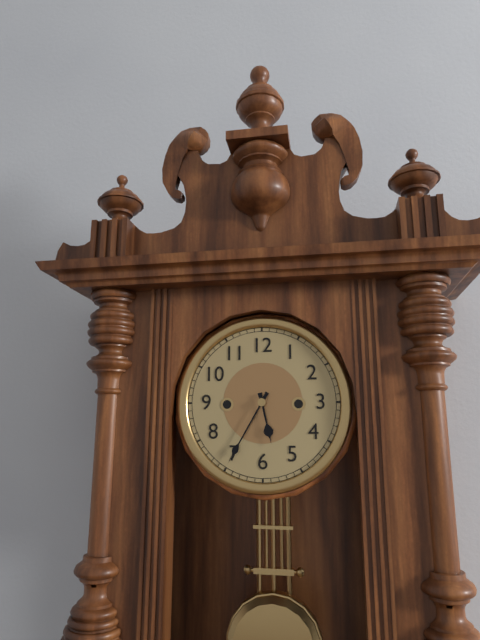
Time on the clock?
5:35
